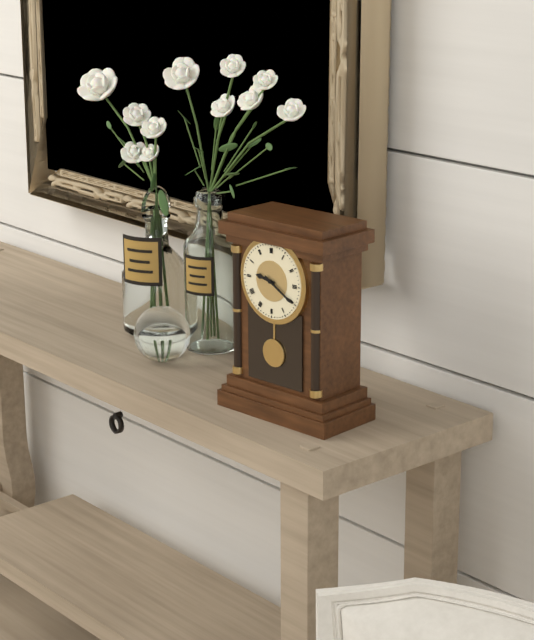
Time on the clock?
9:20
